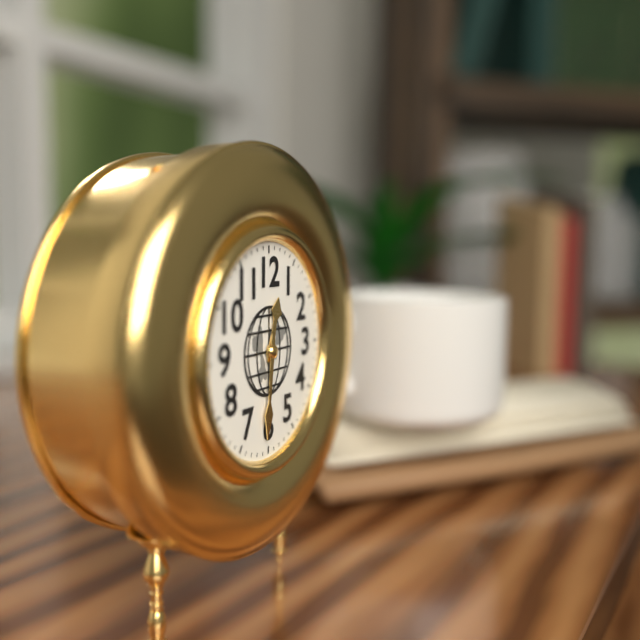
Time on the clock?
12:31
